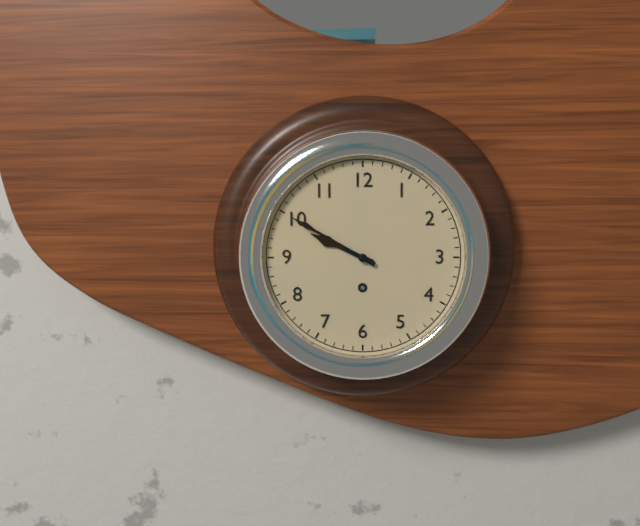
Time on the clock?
9:50
